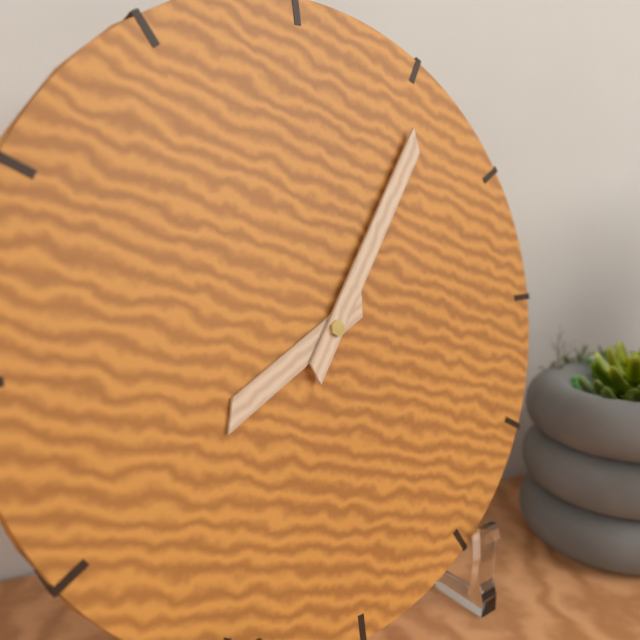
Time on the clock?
8:06
